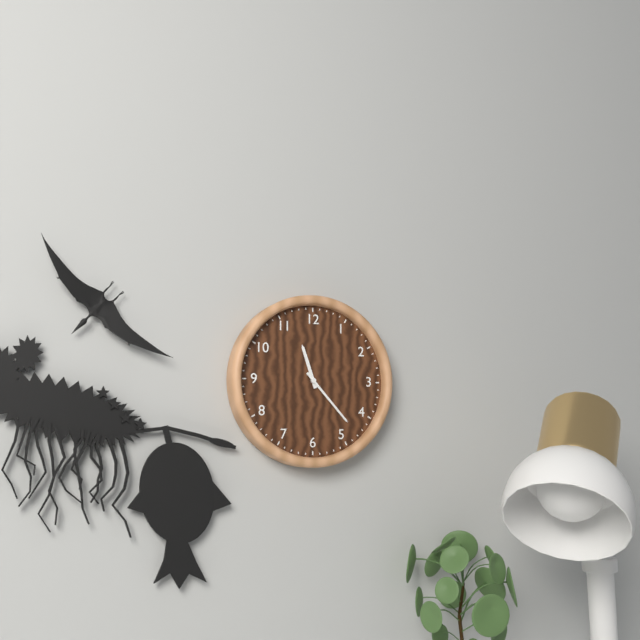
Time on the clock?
11:23
